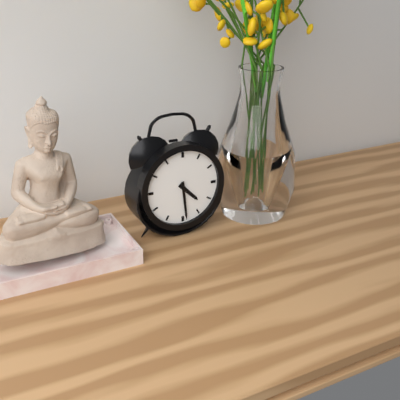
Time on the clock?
4:29
